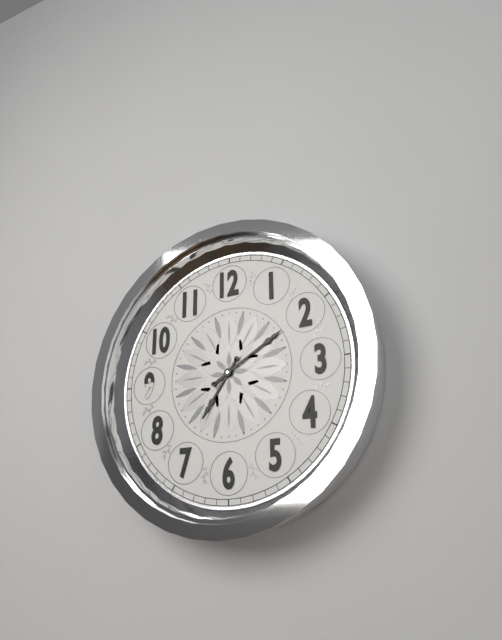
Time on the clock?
7:10
